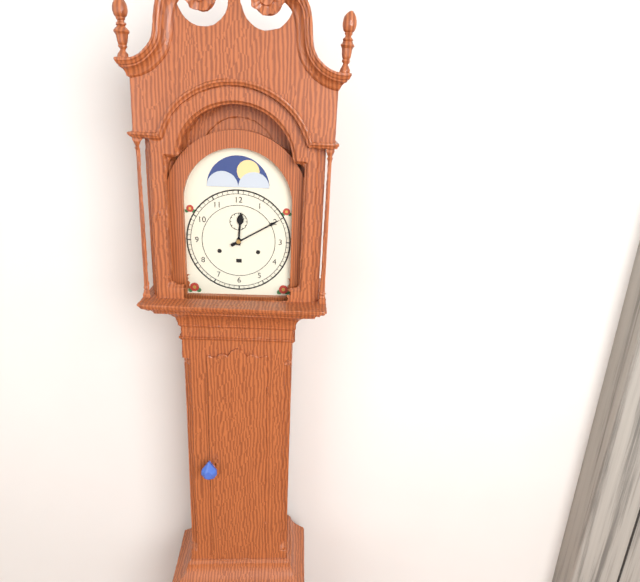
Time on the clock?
12:10
